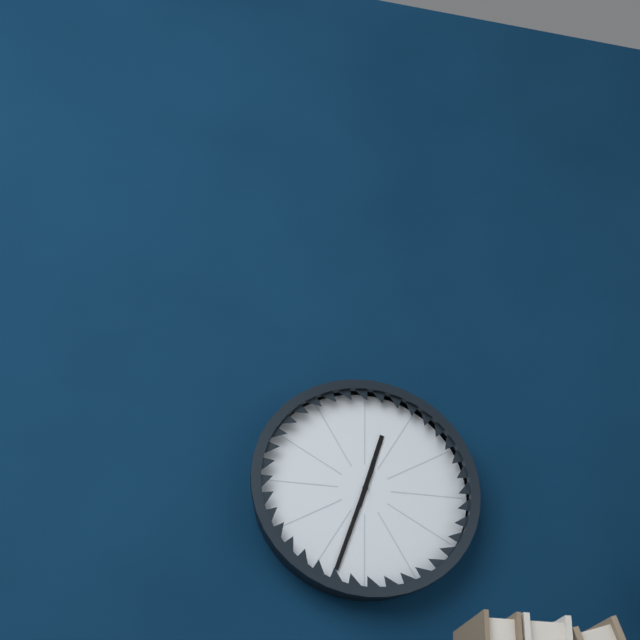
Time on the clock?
12:33
